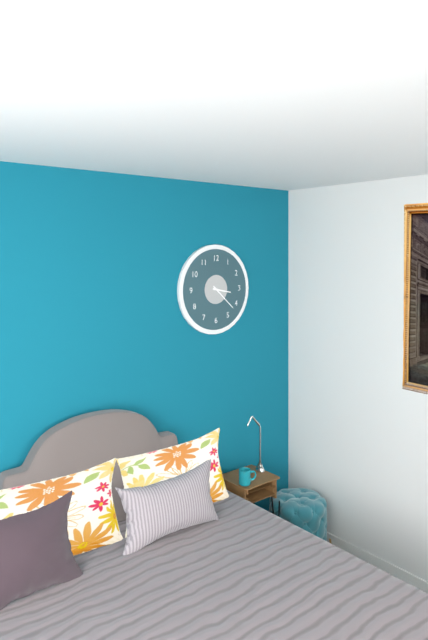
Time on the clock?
3:22
